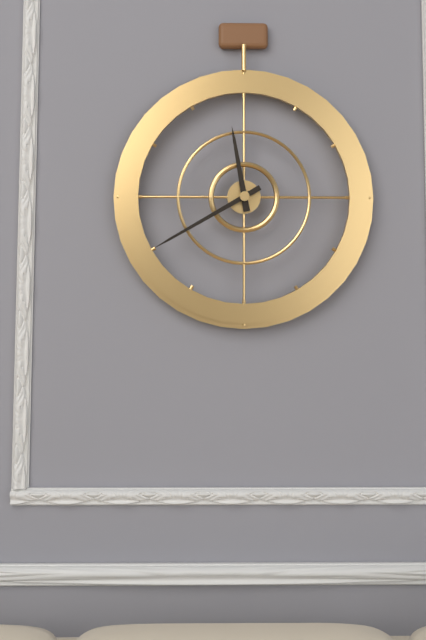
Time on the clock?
11:40
